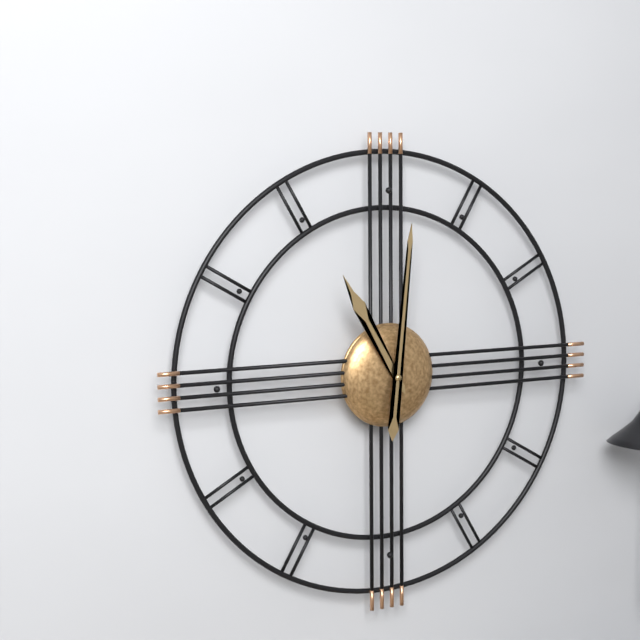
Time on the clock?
11:01
